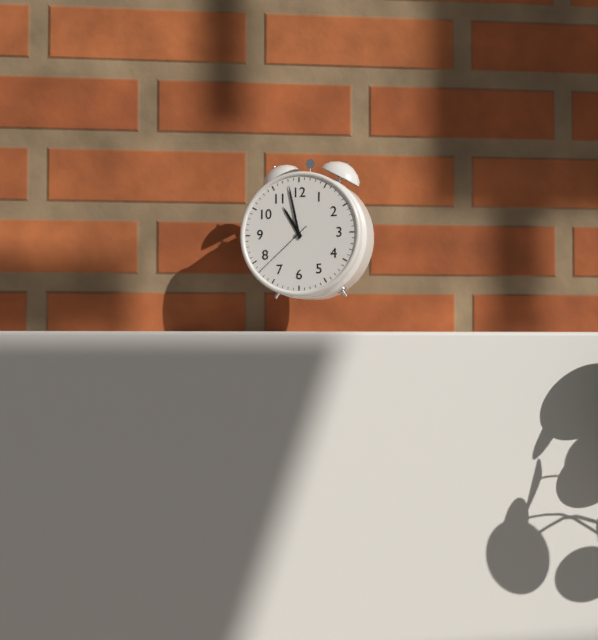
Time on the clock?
10:58:38
